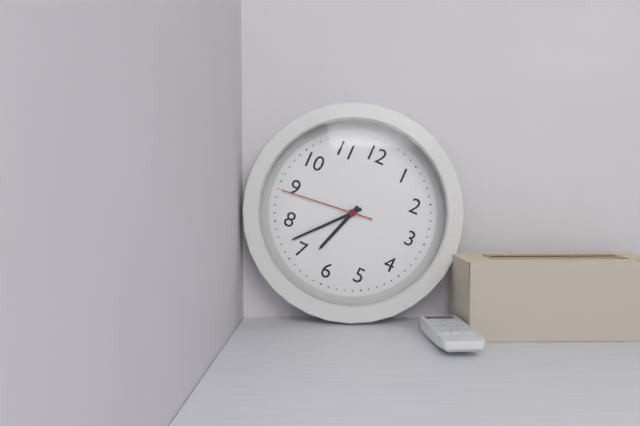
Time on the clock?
6:37:44
